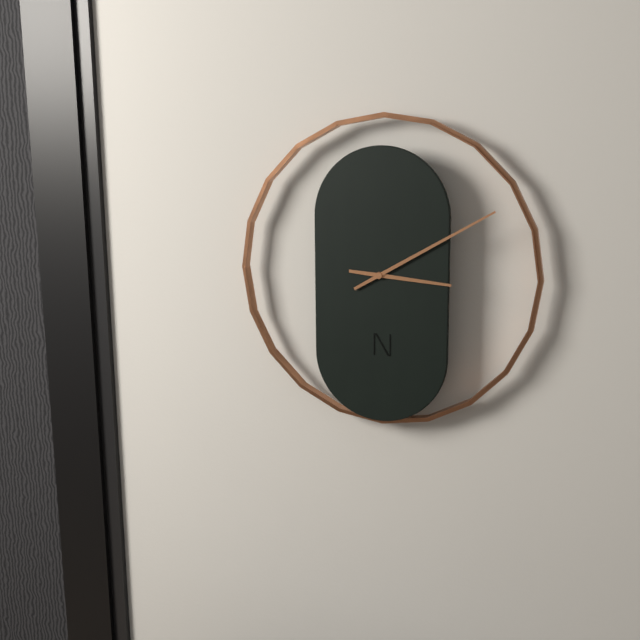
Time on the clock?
3:10
